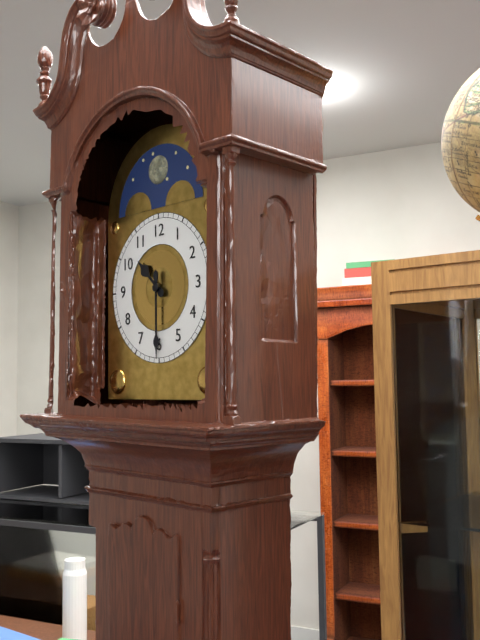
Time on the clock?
10:30
